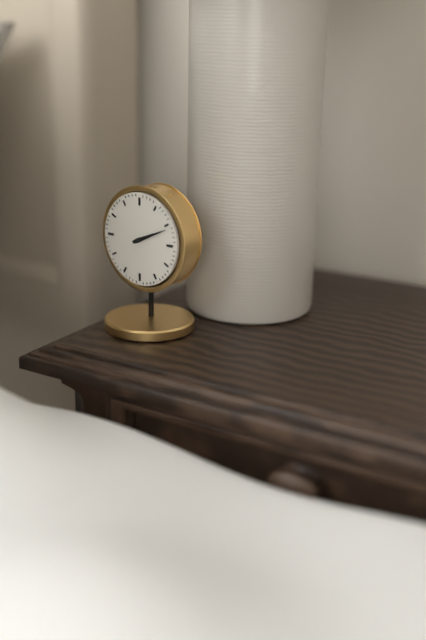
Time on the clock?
2:11
